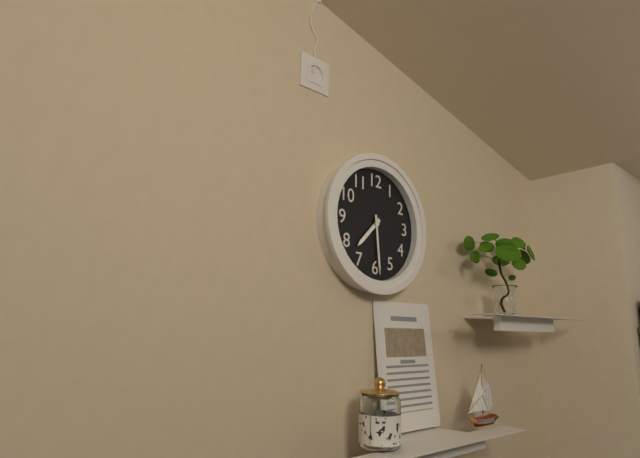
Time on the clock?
7:29
